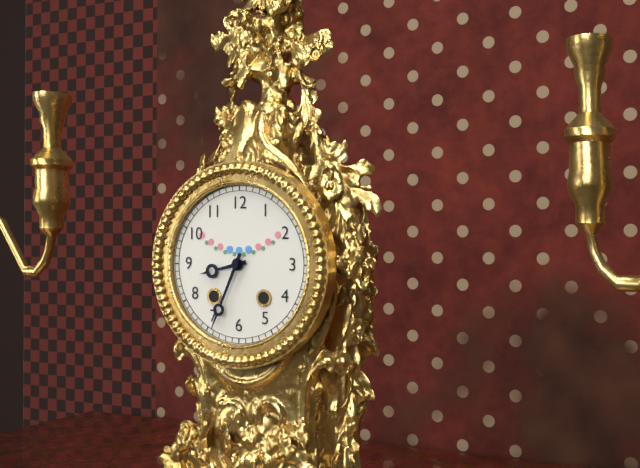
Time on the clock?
8:34
